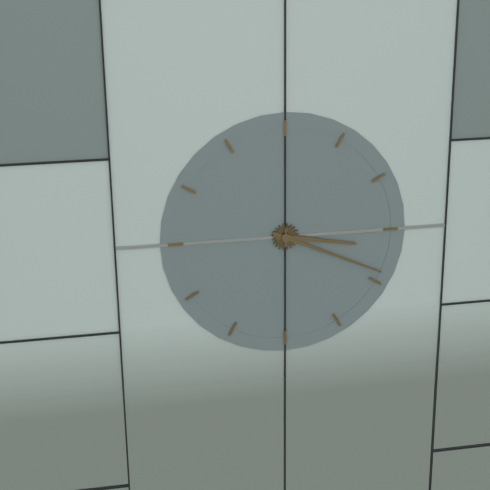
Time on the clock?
3:19
